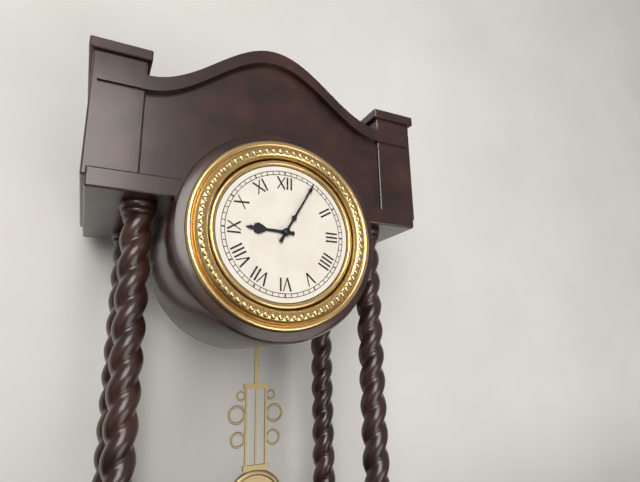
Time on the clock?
9:05
